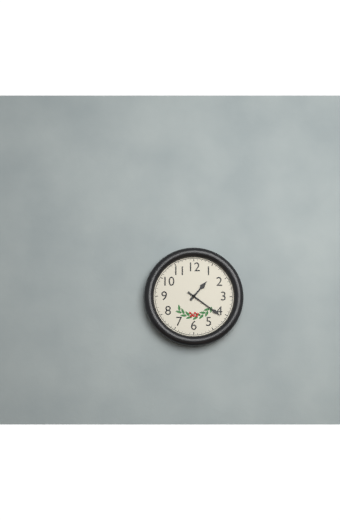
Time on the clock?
1:21
